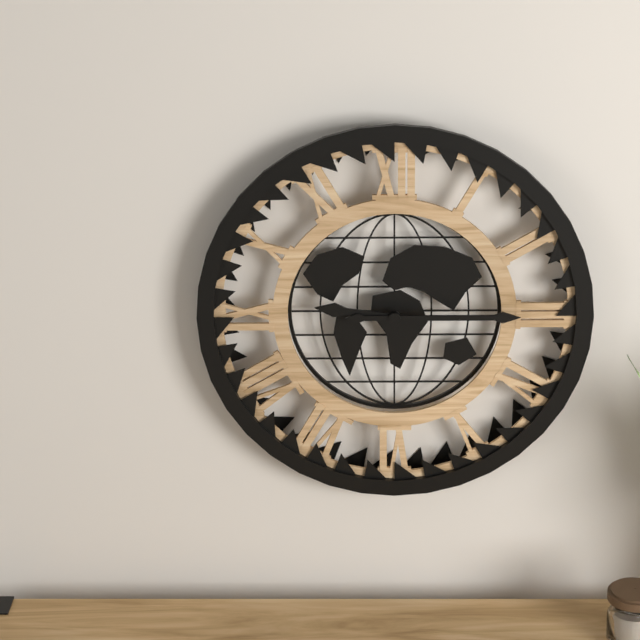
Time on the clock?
9:15
